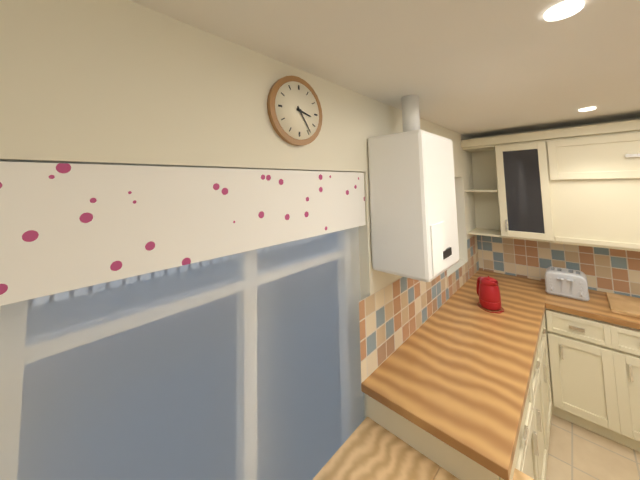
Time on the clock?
3:24
